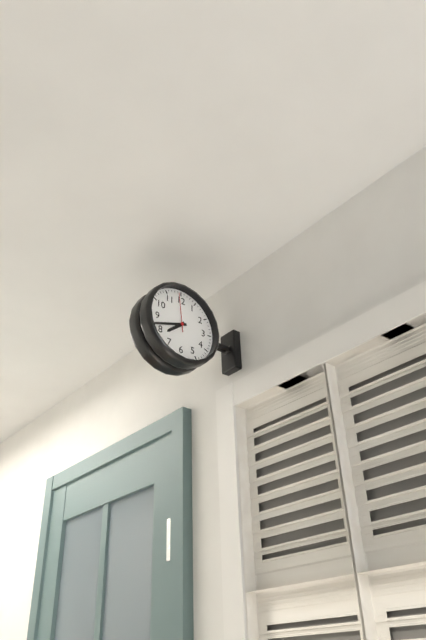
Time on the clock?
7:42
